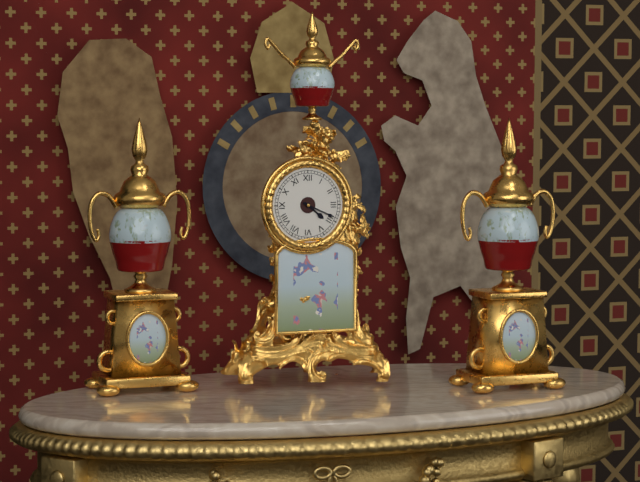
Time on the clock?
4:19
